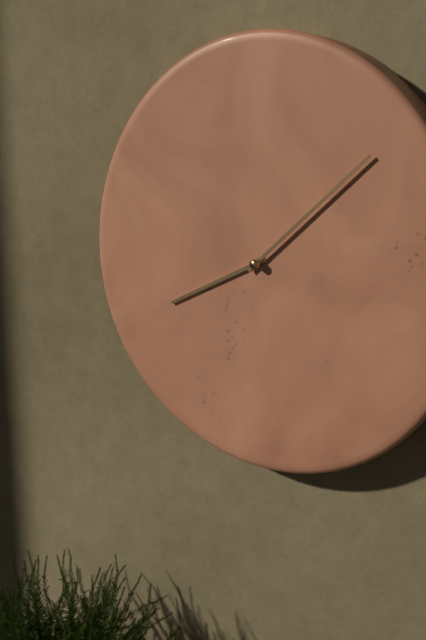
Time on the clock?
8:08
